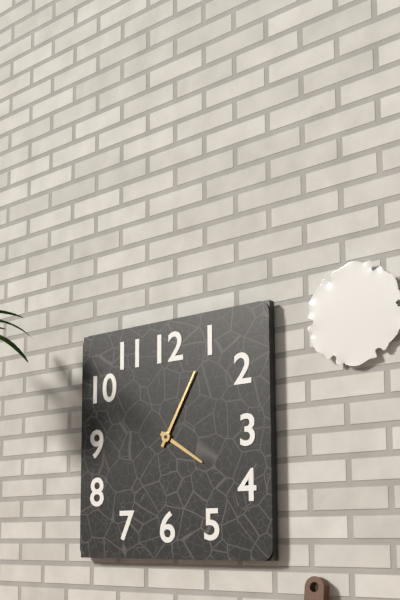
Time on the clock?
4:05
